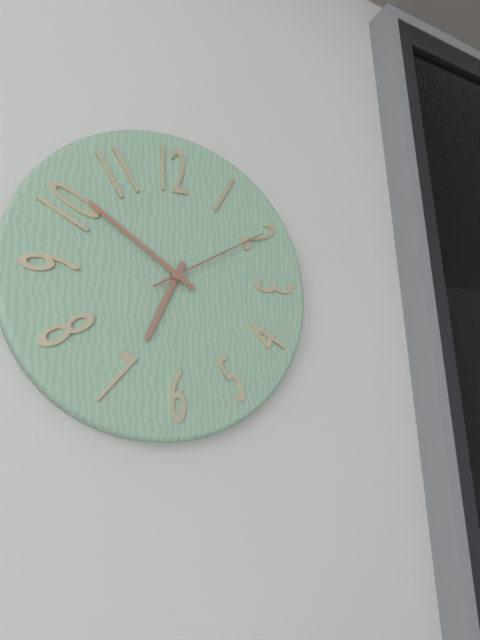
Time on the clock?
6:51:10
